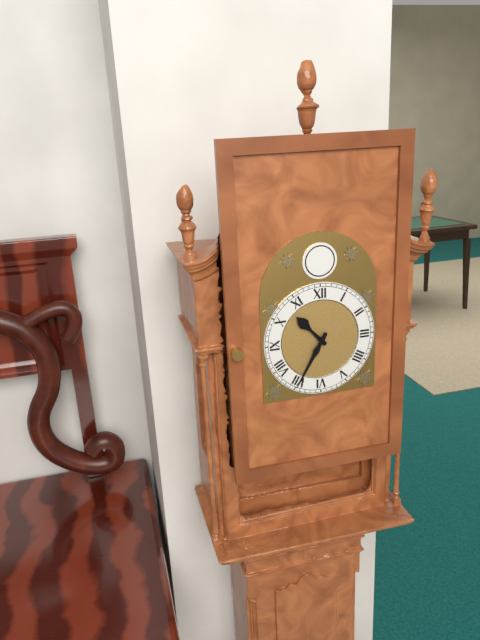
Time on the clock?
10:35
